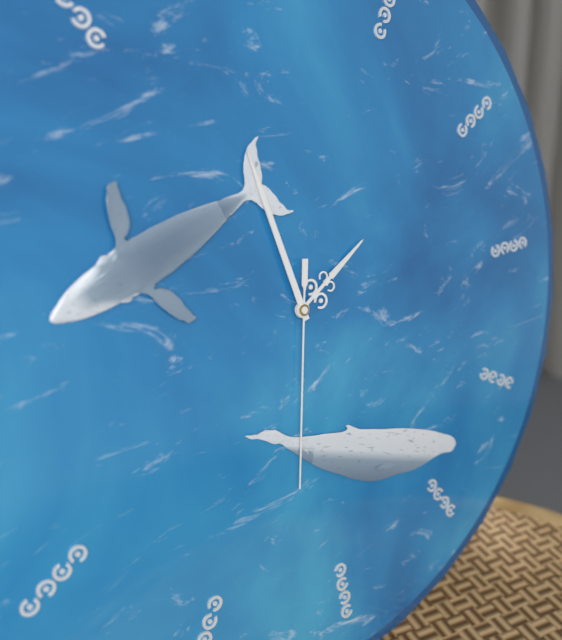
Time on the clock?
1:58:32
